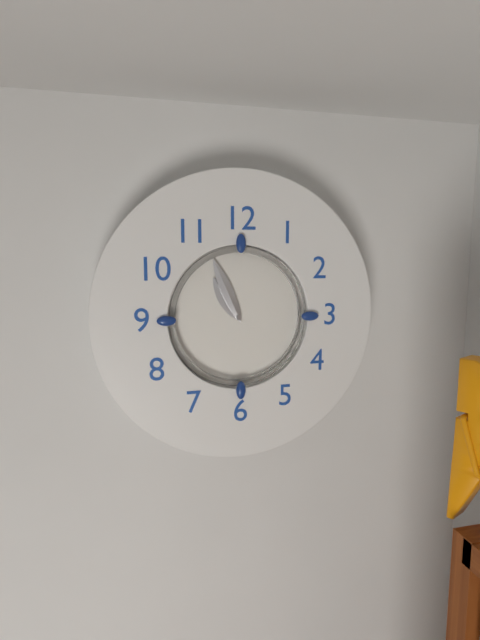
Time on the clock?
10:56
